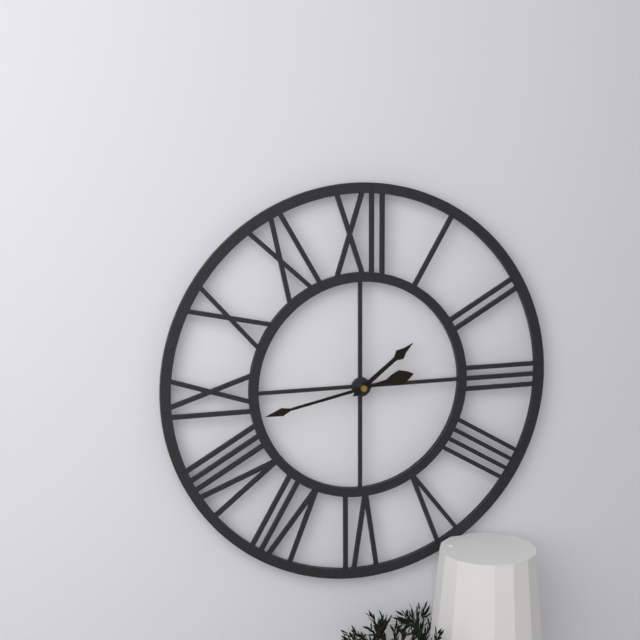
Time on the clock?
1:43
